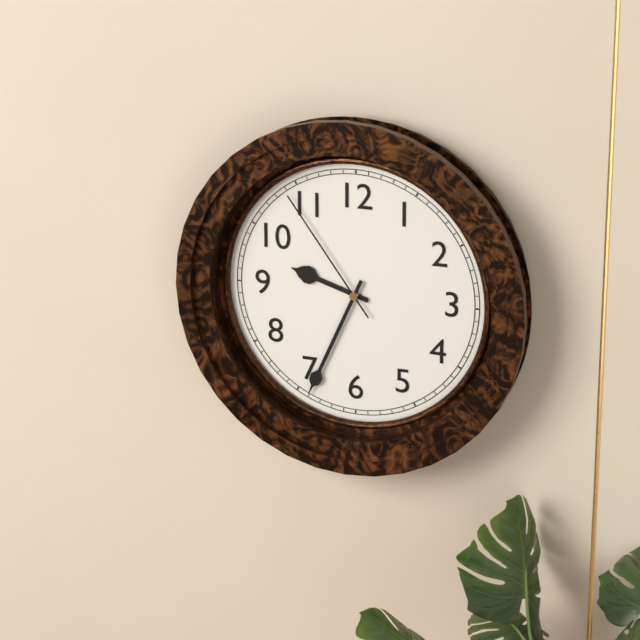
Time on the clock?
9:34:54
